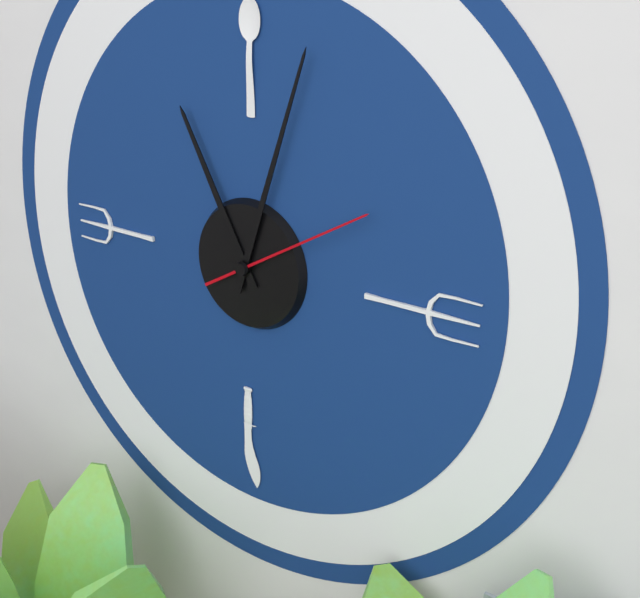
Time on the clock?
11:03:10
